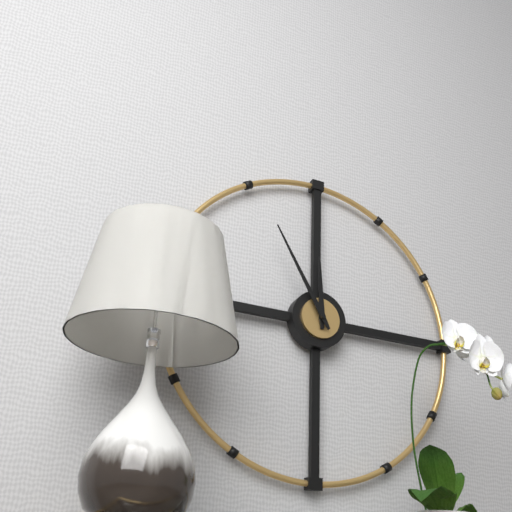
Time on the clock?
11:55
